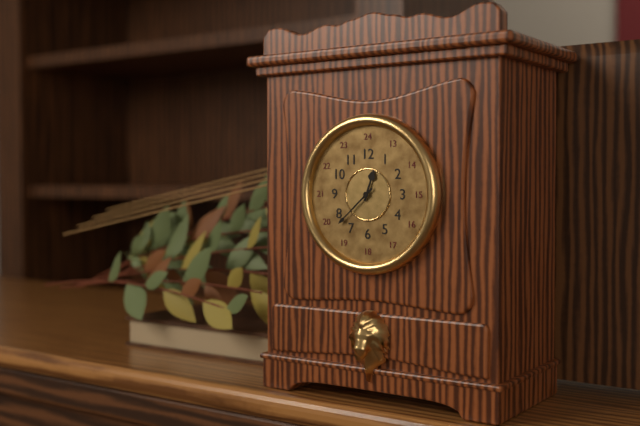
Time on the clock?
12:38
